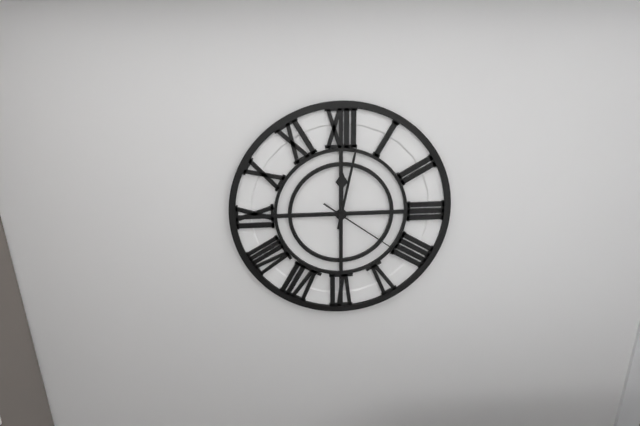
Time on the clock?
12:02:21
